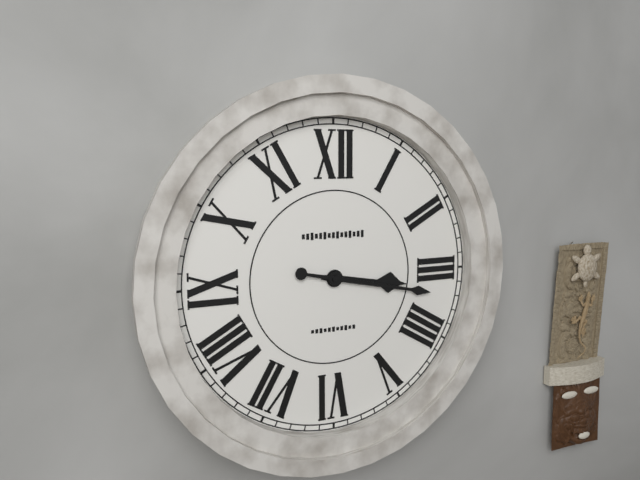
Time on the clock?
3:17
